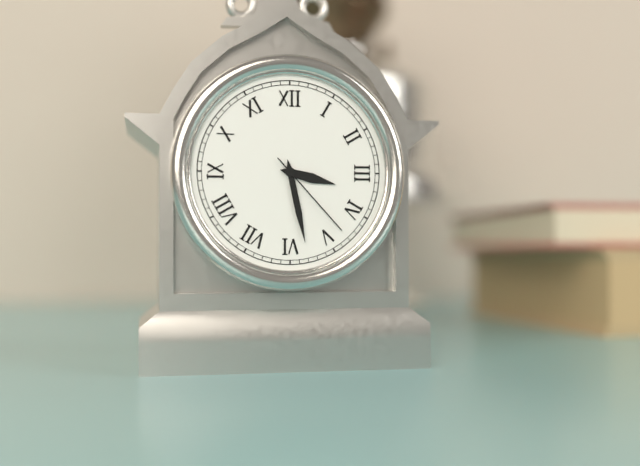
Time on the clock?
3:28:23
